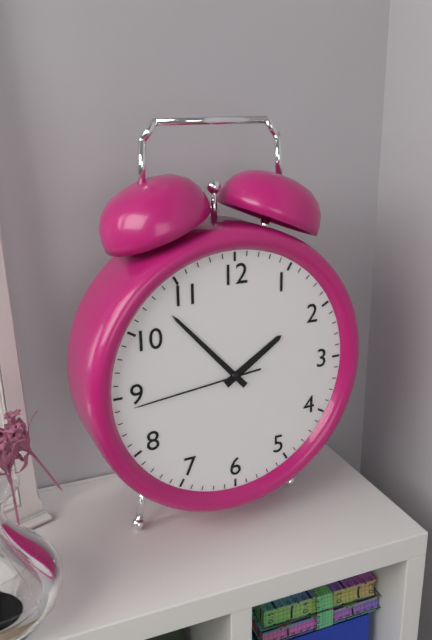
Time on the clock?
1:53:44
